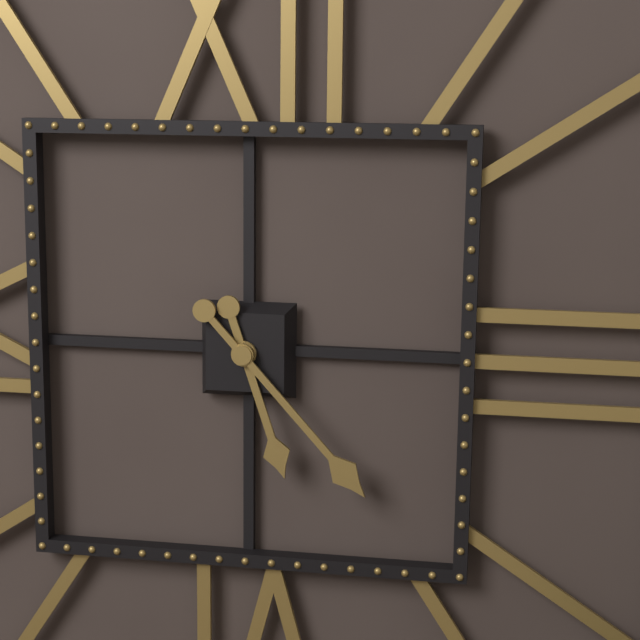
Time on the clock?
5:23
